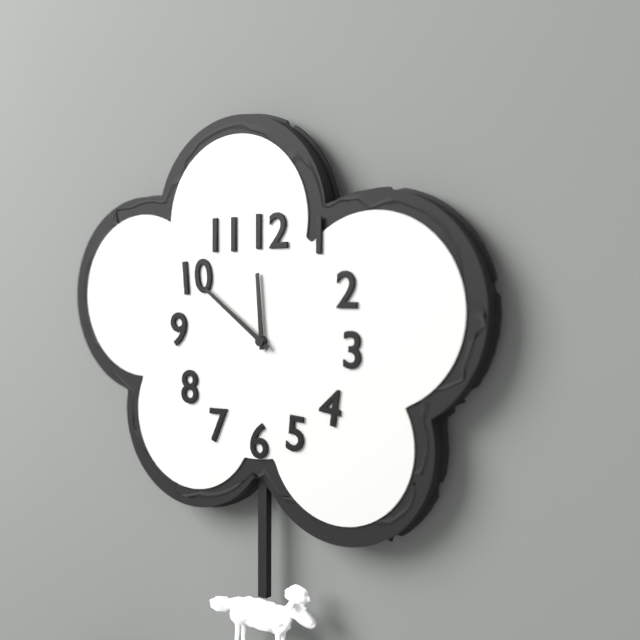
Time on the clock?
11:51
